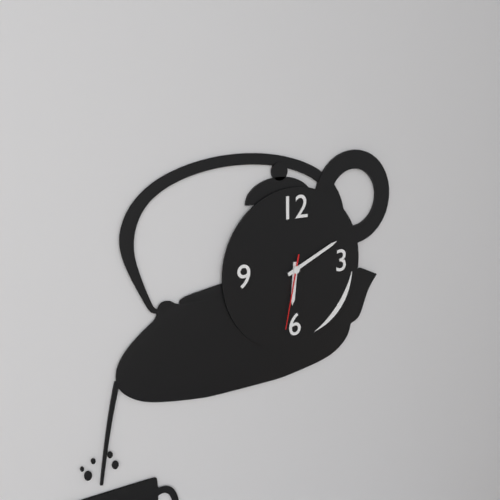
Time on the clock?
6:11:32
